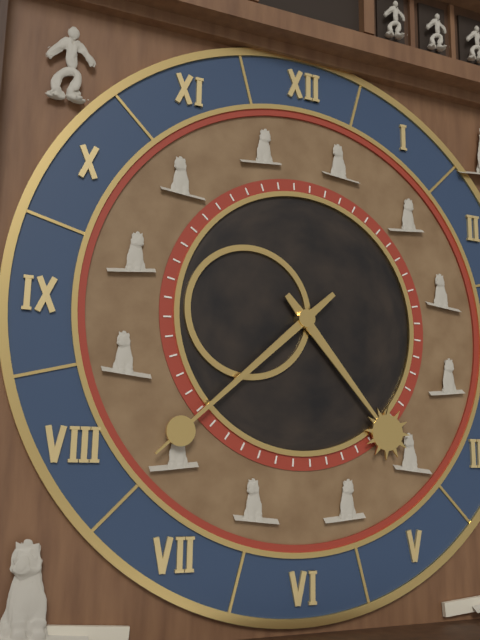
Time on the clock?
4:38
